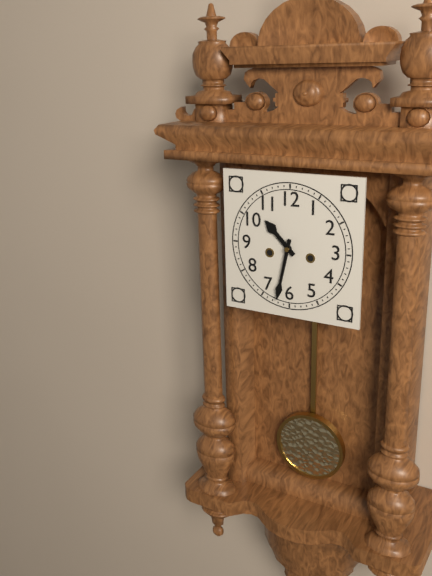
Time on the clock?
10:32
